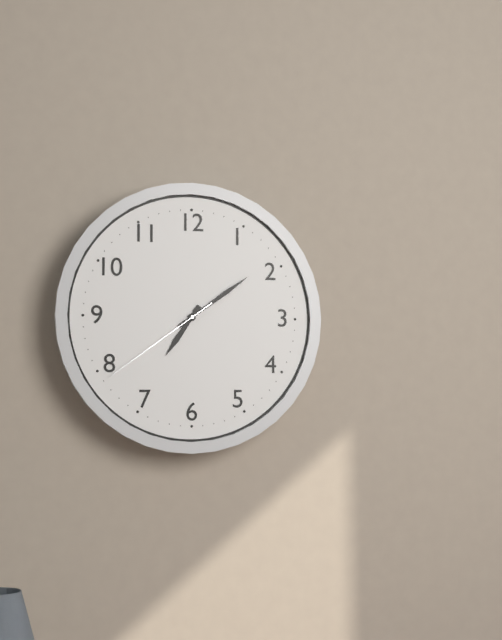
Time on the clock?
7:09:39
